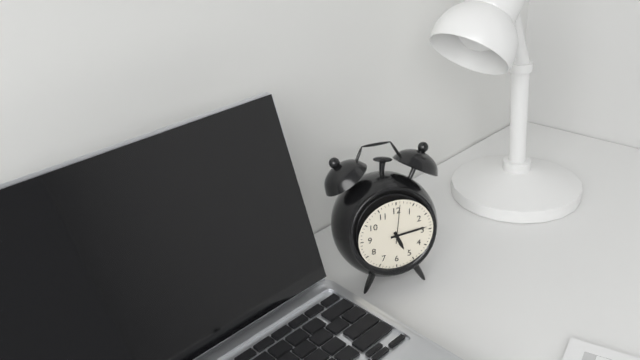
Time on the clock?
5:14
